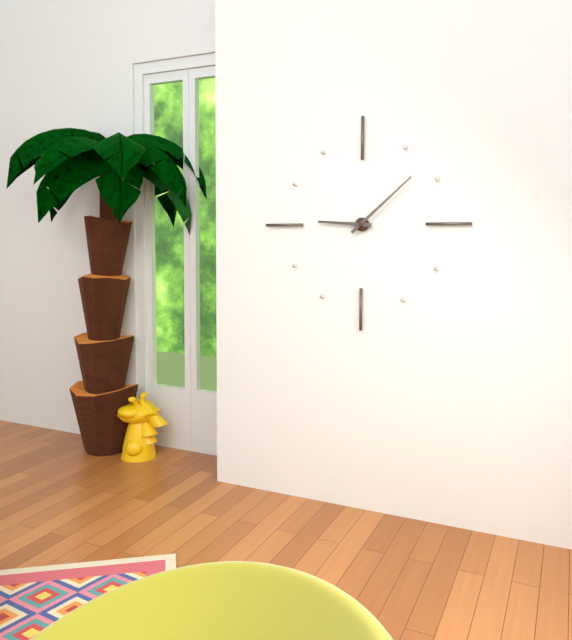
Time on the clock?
9:08
